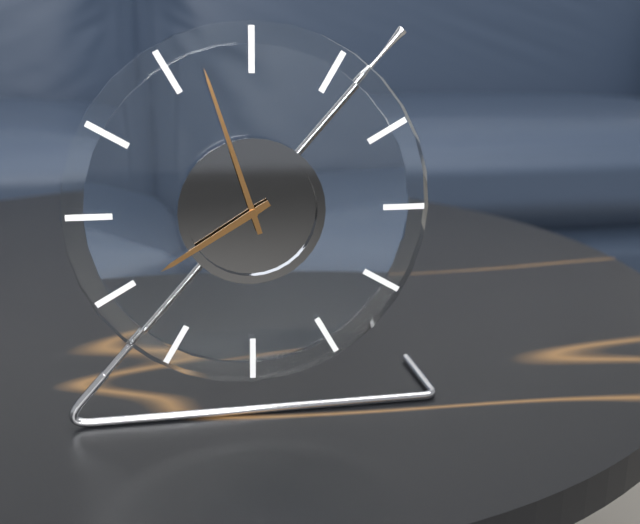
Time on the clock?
7:57
